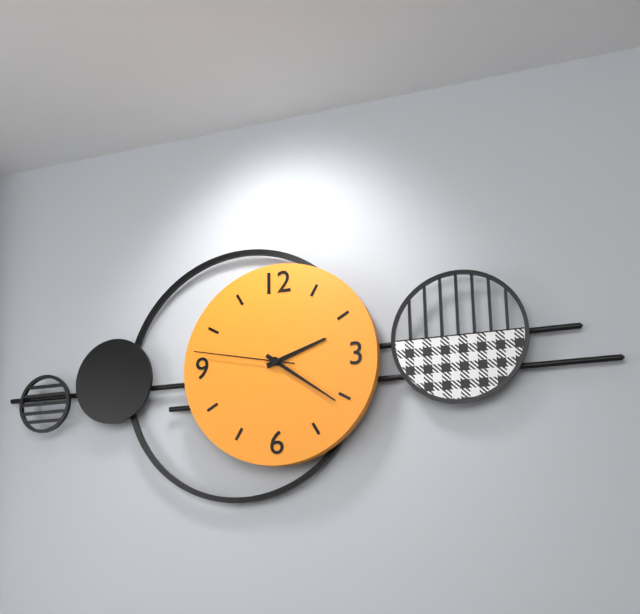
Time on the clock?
2:21:47
